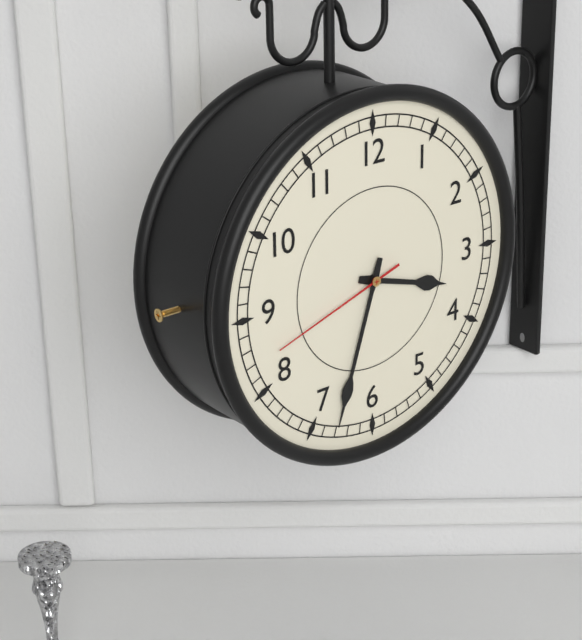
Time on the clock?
3:33:42
